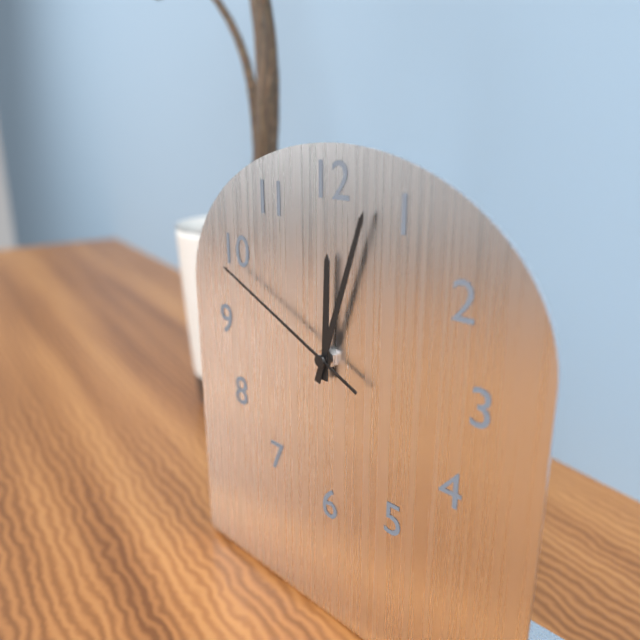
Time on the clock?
12:03:49
